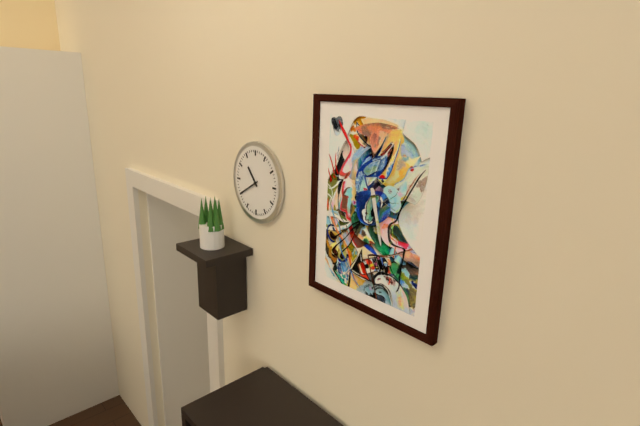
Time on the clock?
10:40
